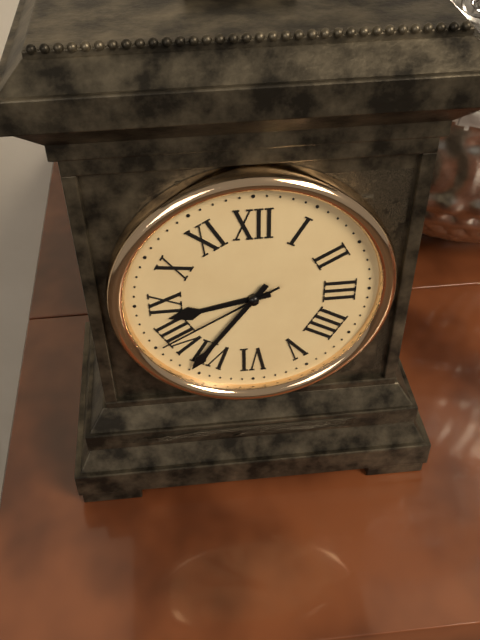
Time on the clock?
8:36:40
